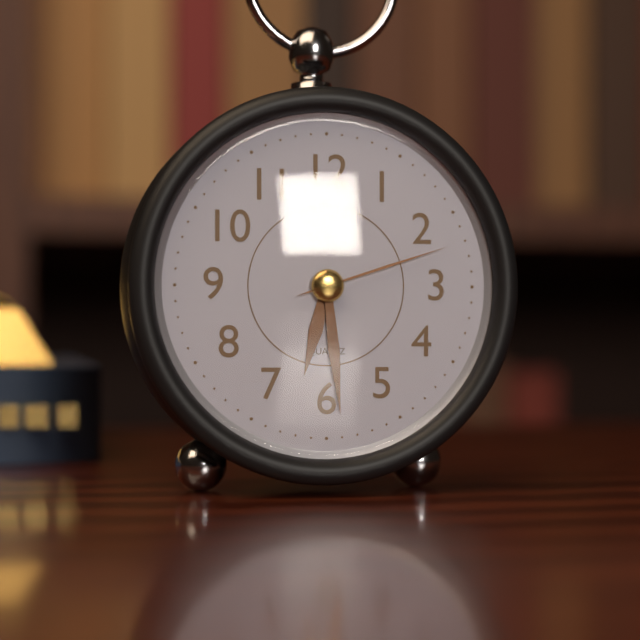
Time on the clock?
6:29:12
